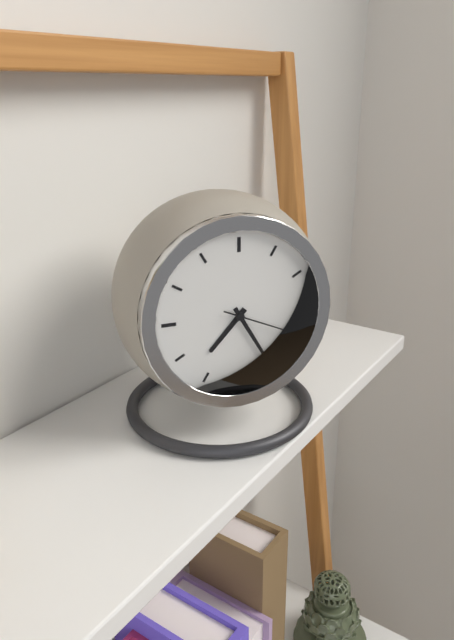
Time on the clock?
7:25:19
